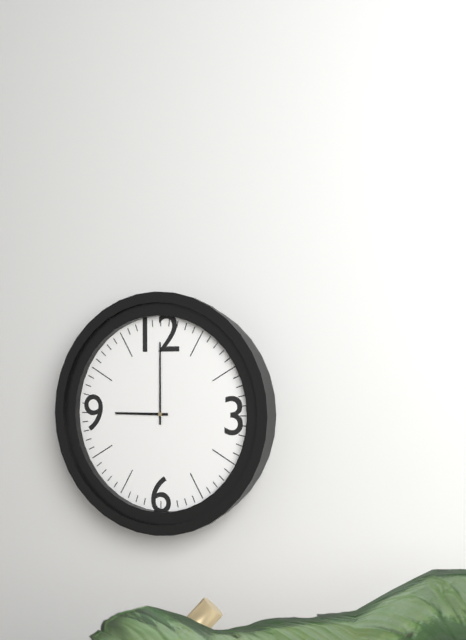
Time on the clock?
9:00
